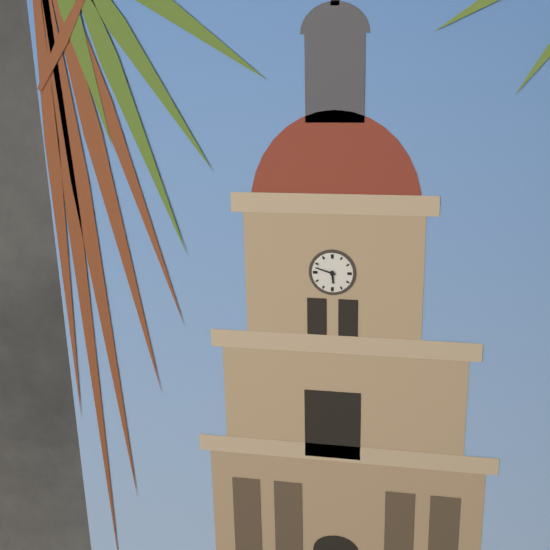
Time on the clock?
5:48
